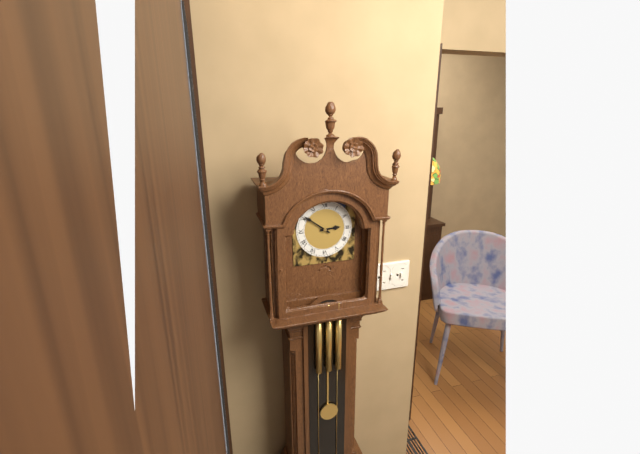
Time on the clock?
2:51
